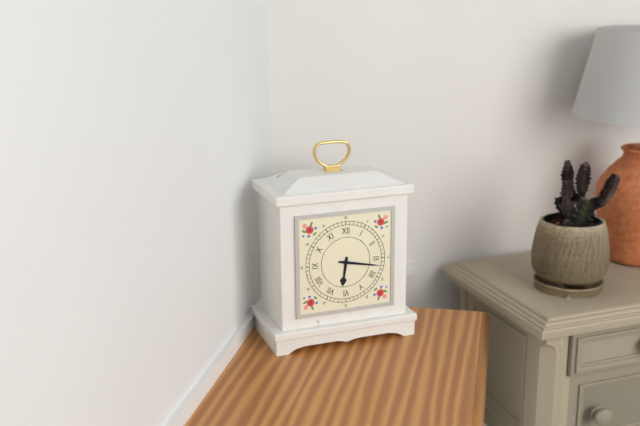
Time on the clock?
6:17
